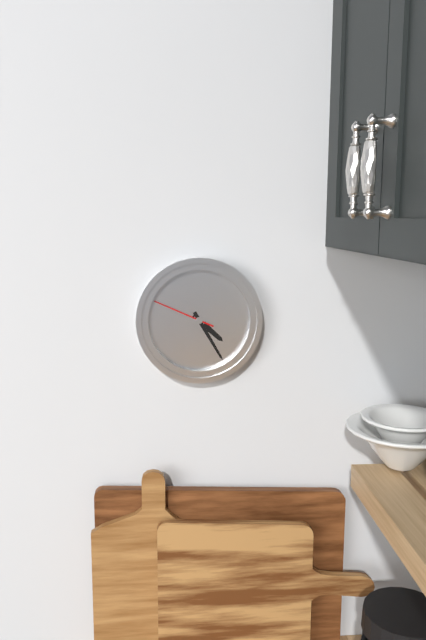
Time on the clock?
4:25:49
